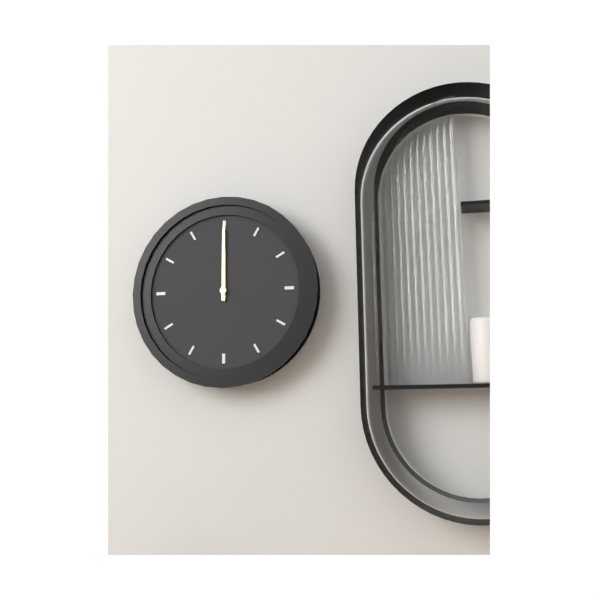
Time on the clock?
12:00
